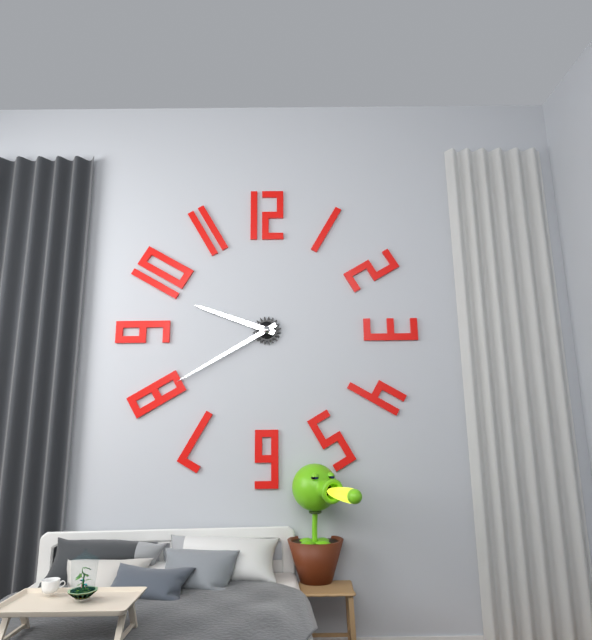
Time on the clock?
9:40
